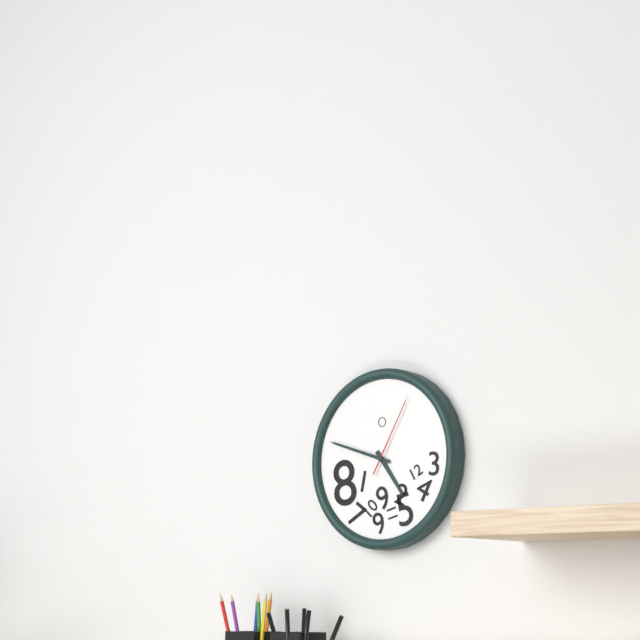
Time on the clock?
4:48:05
